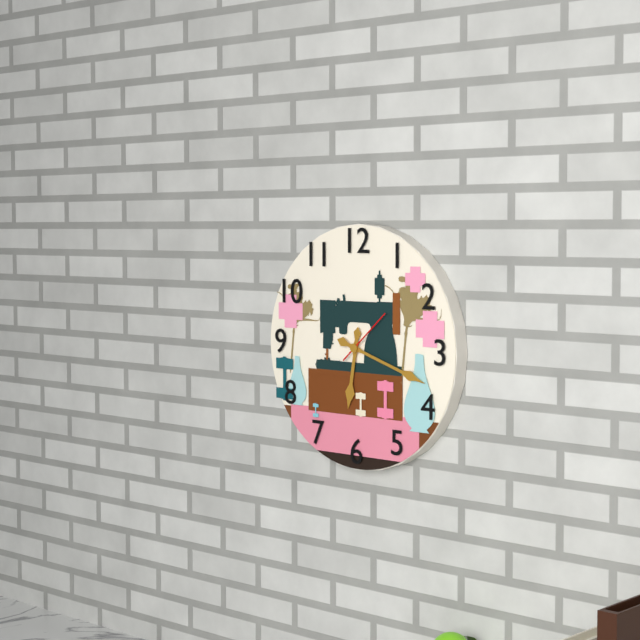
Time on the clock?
6:18:08
